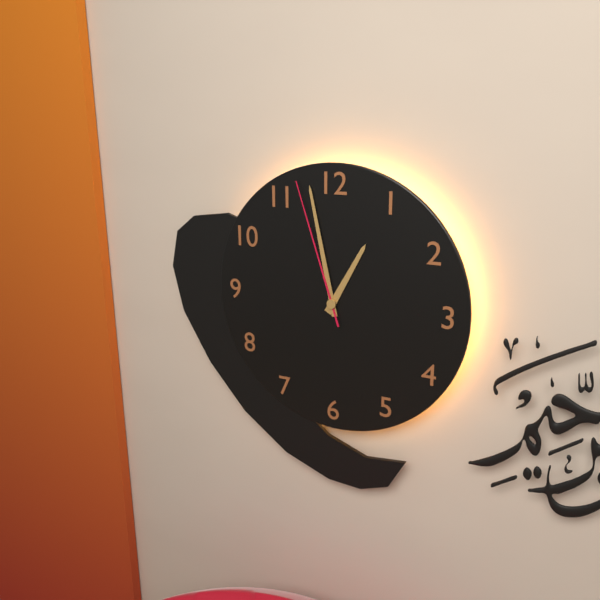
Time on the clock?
12:58:57
